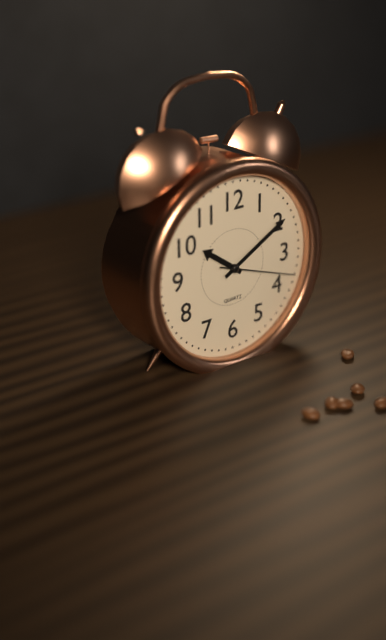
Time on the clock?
10:10:18
